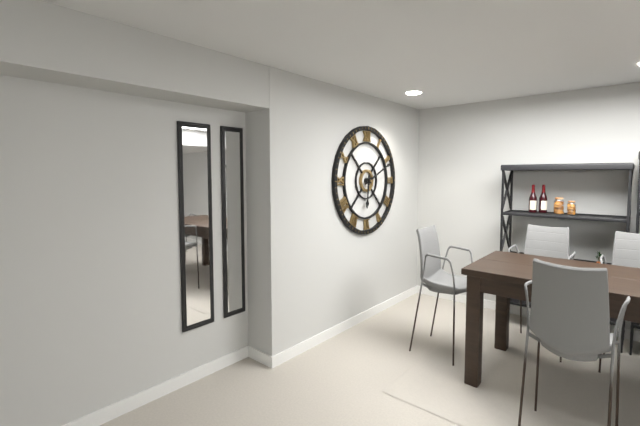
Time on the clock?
6:11
